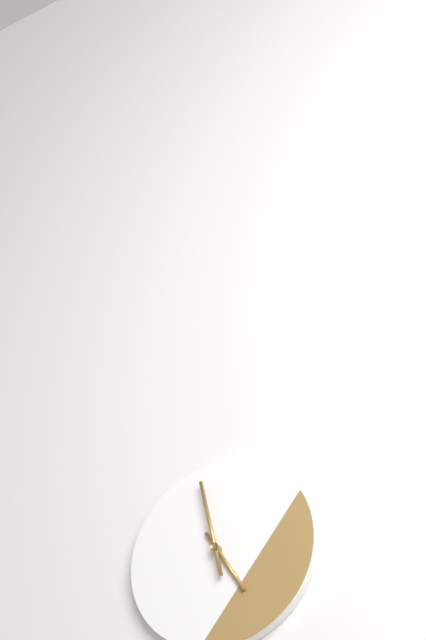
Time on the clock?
4:58
